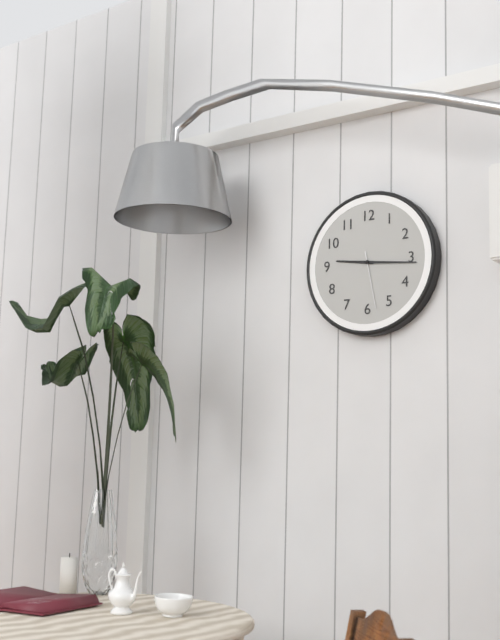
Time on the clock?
9:16:28
